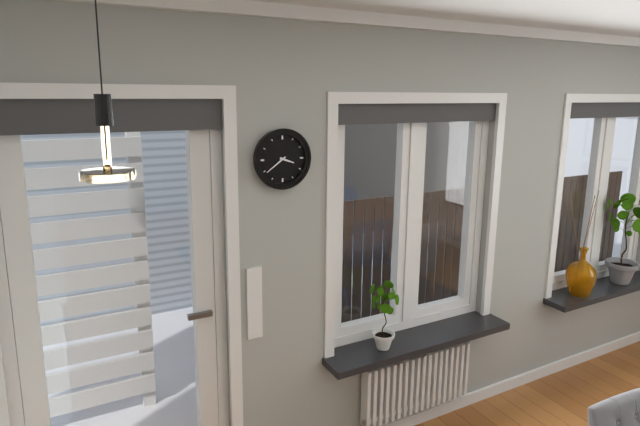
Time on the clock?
3:39
